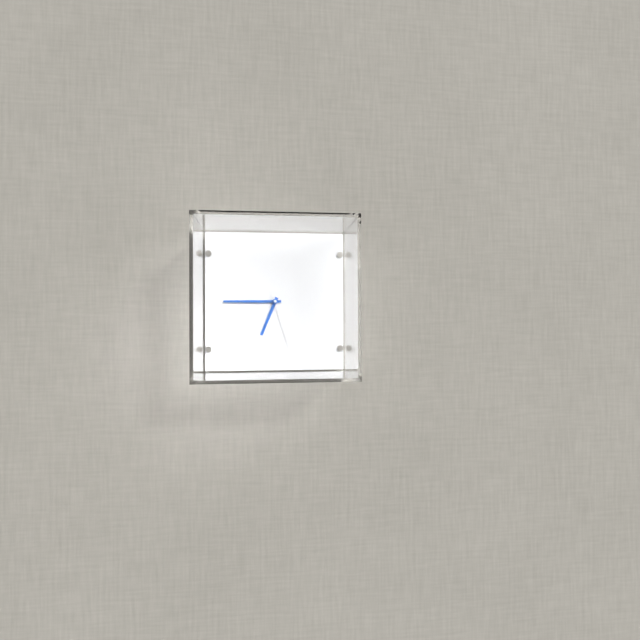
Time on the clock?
6:45:27
